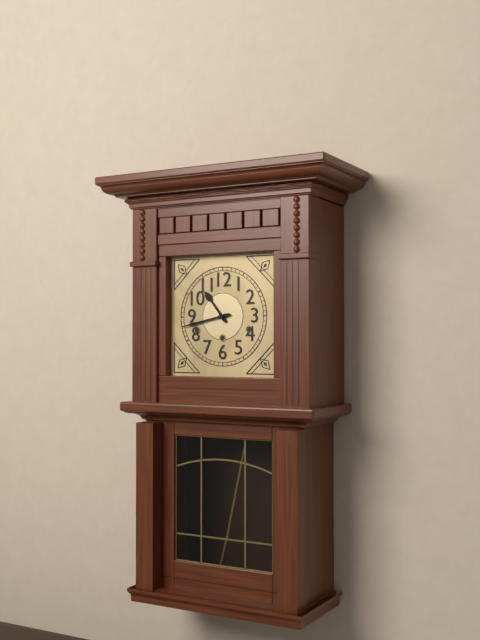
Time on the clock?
10:43
